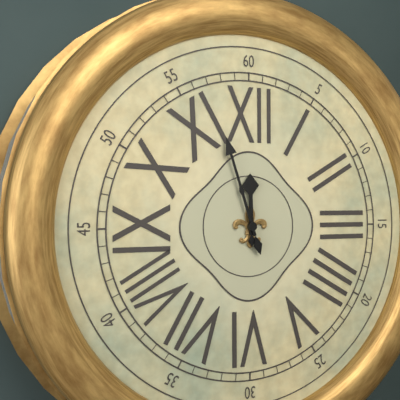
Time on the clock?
11:57
